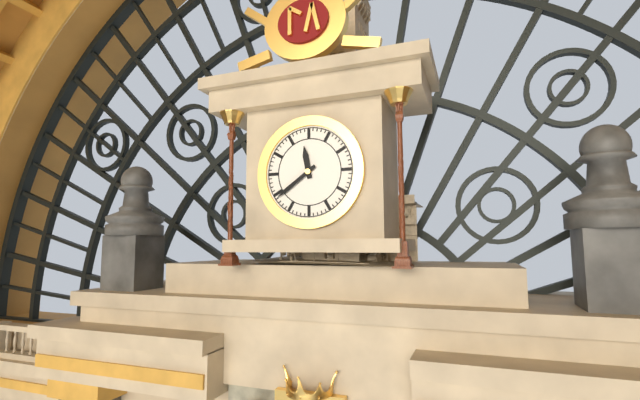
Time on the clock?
11:39
